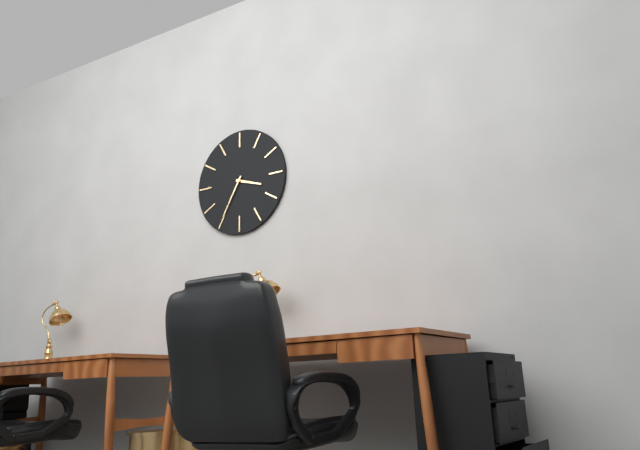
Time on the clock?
3:35
